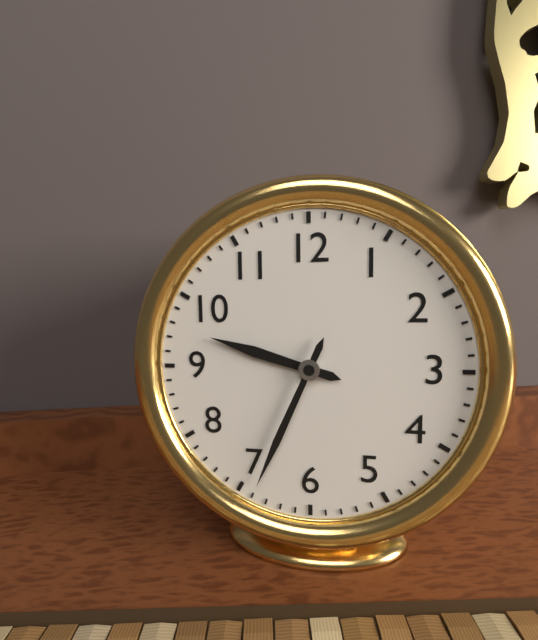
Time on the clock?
9:34
